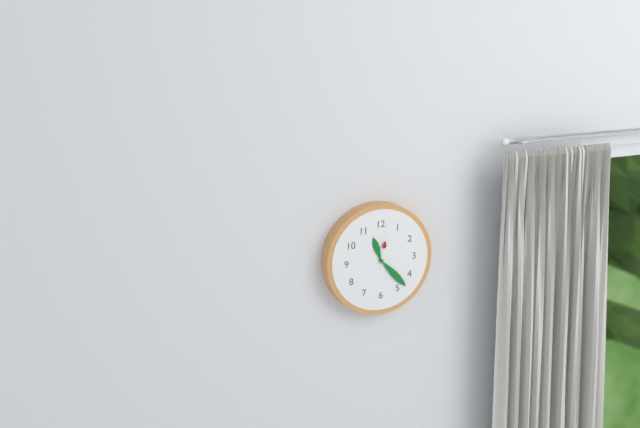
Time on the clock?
11:23:02
